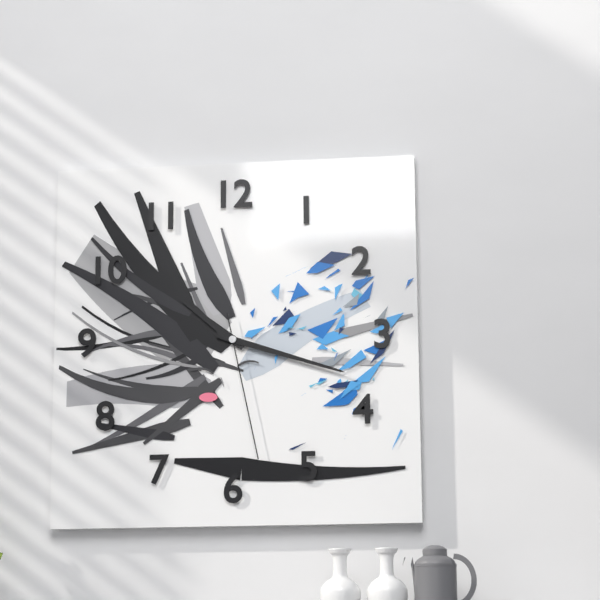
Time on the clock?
10:18:28
